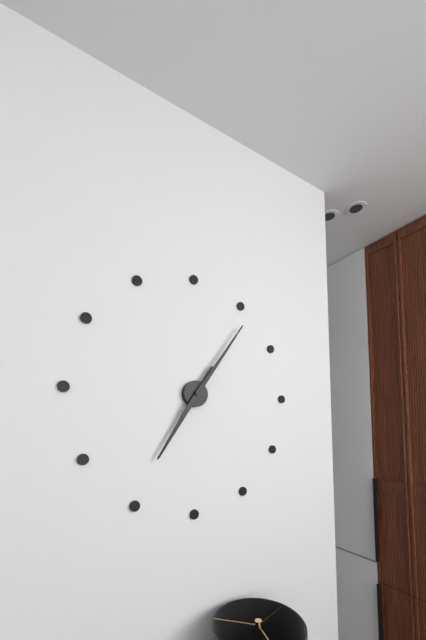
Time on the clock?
7:06
